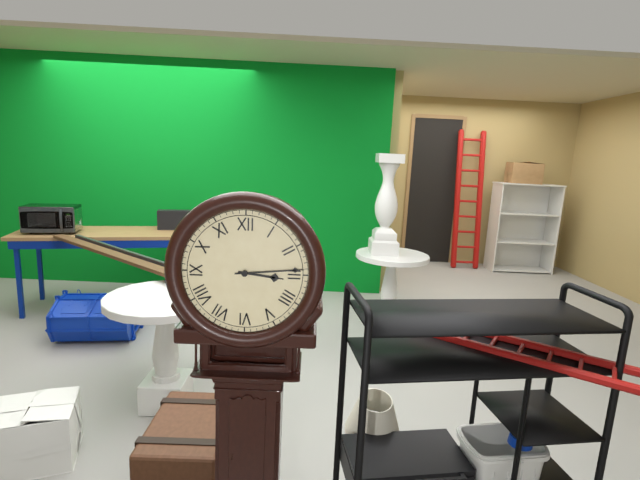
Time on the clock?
3:14
